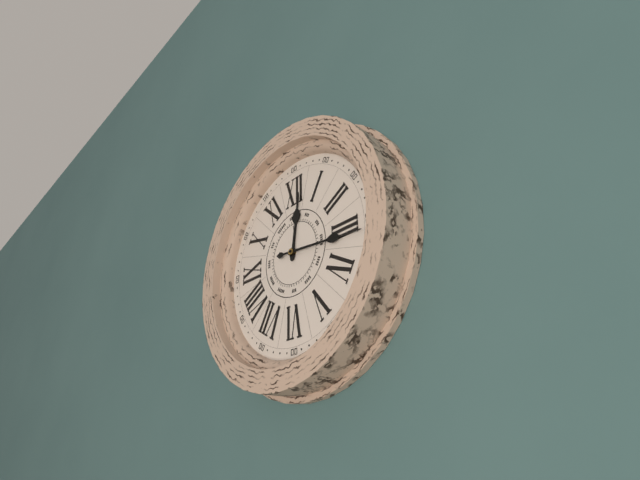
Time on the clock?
12:16
